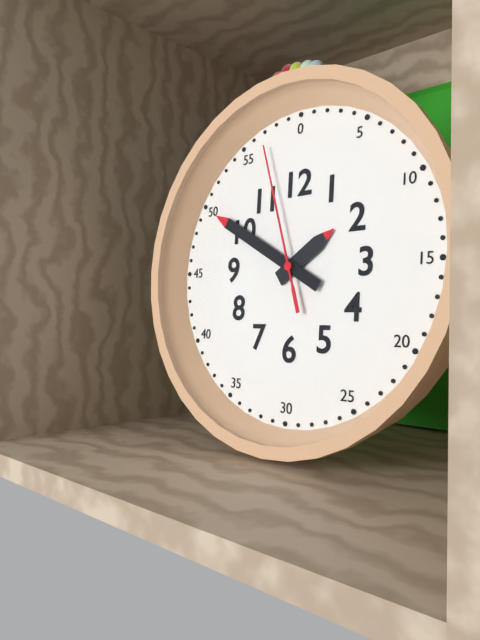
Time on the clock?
1:50:57
